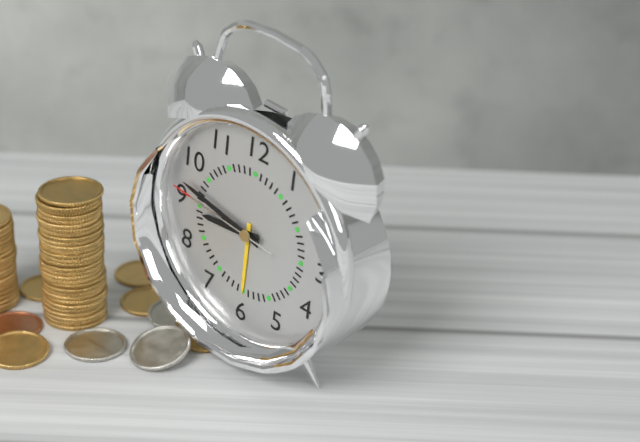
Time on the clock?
8:47:46
